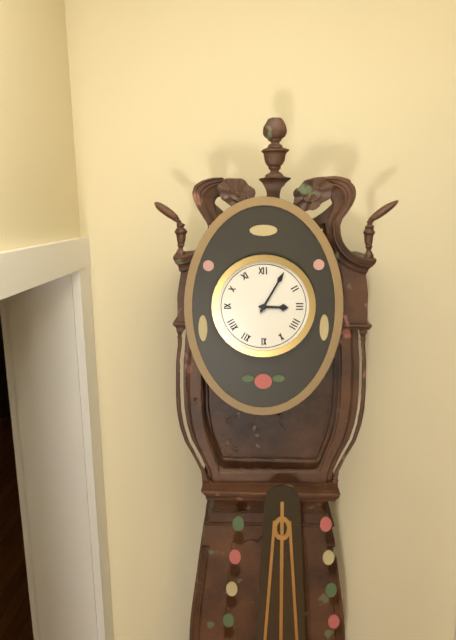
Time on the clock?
3:05
